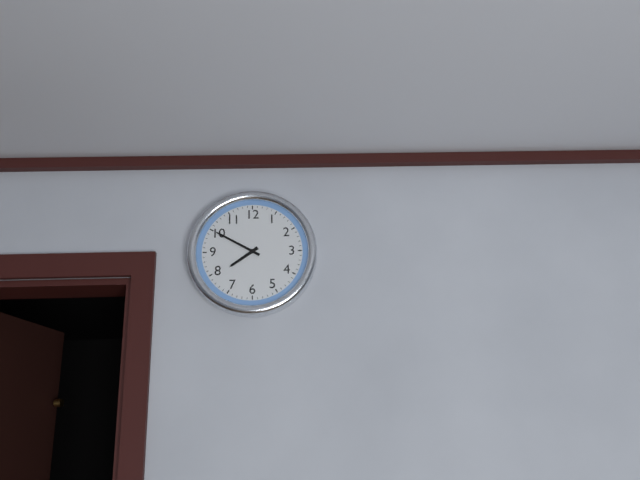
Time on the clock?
7:50
